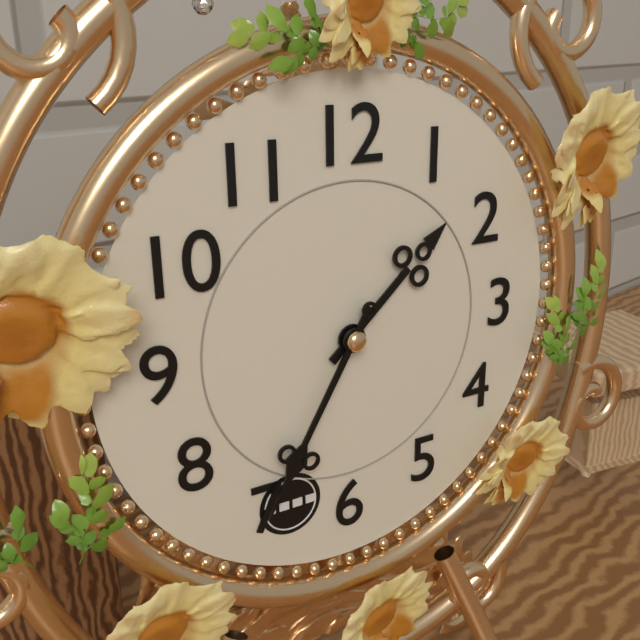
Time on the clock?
1:35
